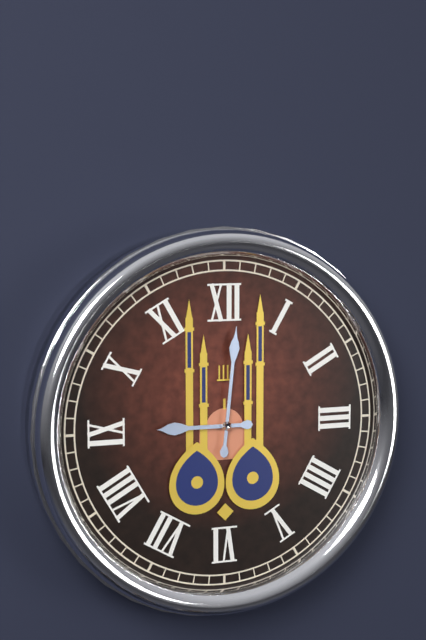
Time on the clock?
9:01
